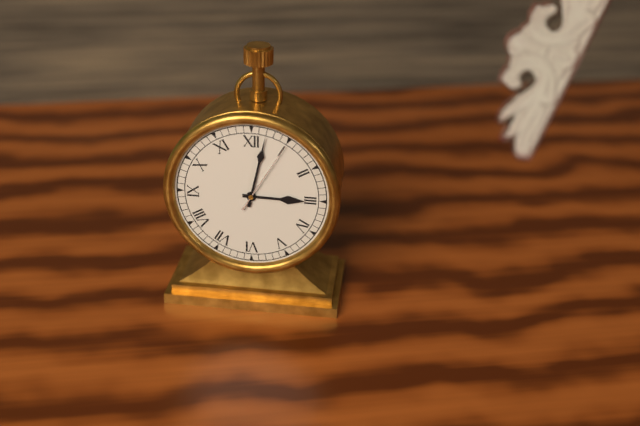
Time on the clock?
3:02:05
